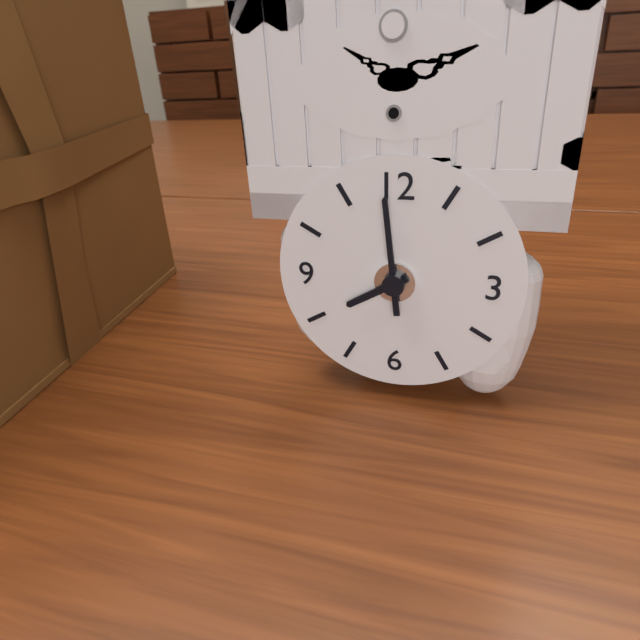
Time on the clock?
7:59
